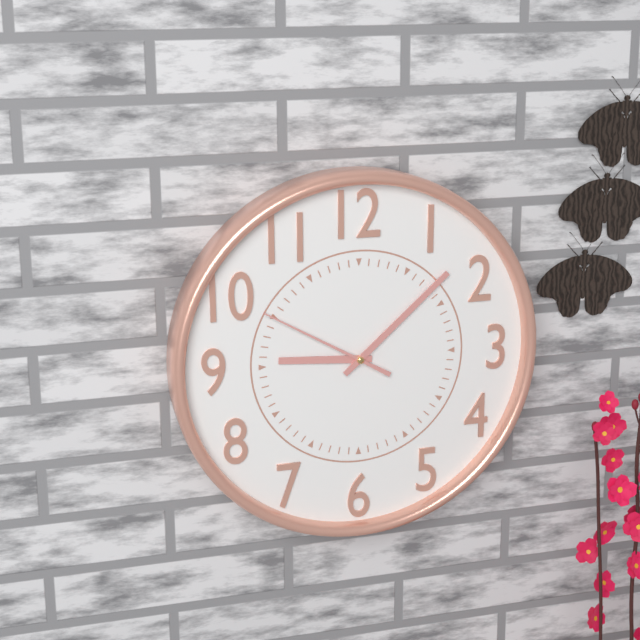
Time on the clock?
9:08:50
